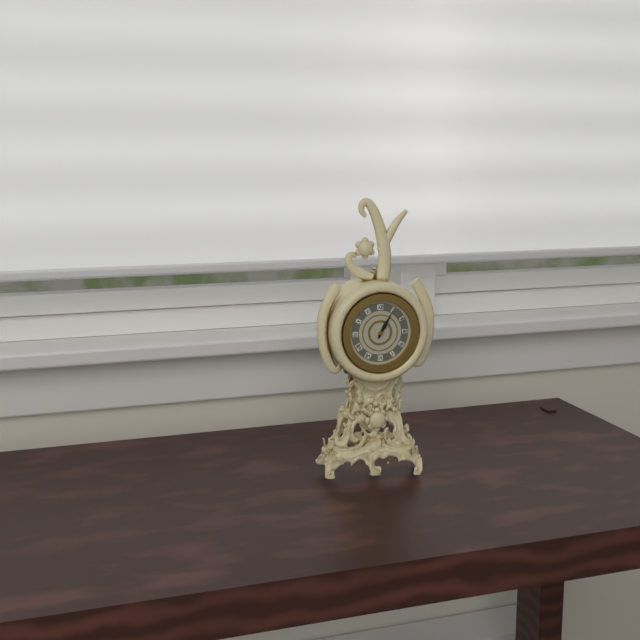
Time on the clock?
1:05
